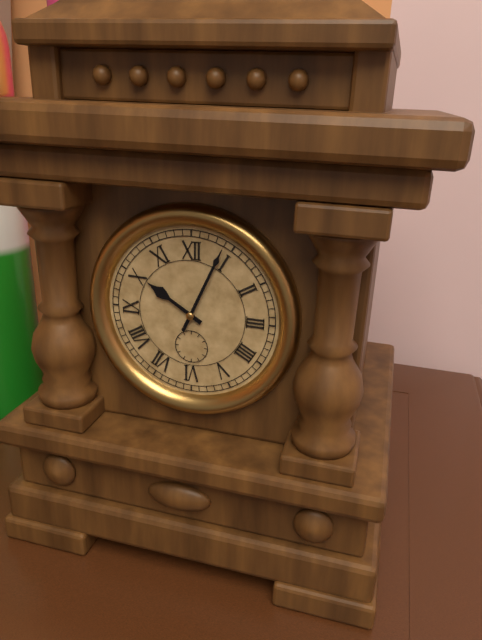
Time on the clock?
10:04
